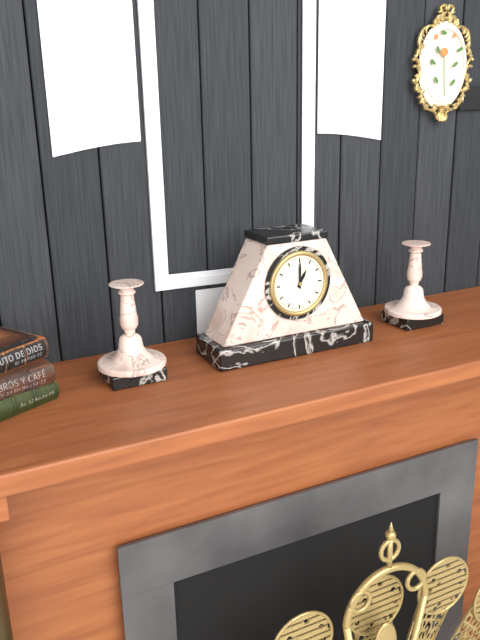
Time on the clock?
1:00
